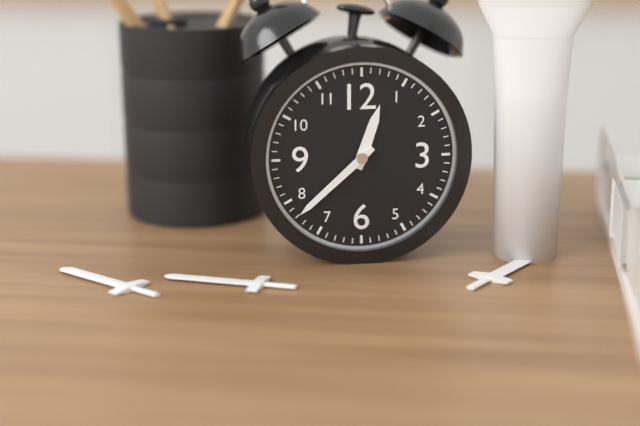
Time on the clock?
12:38
